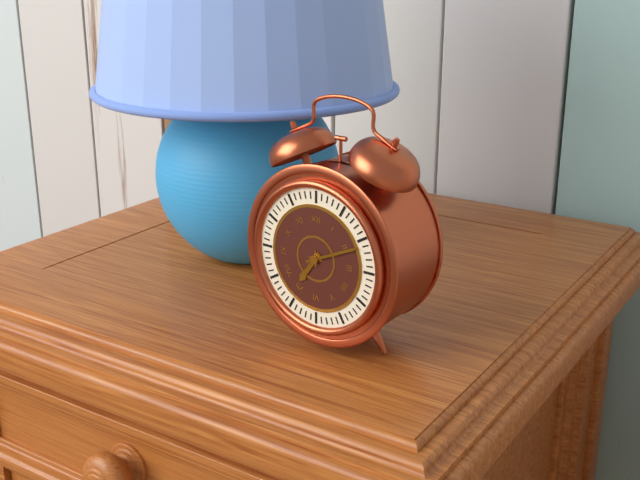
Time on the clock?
7:11
